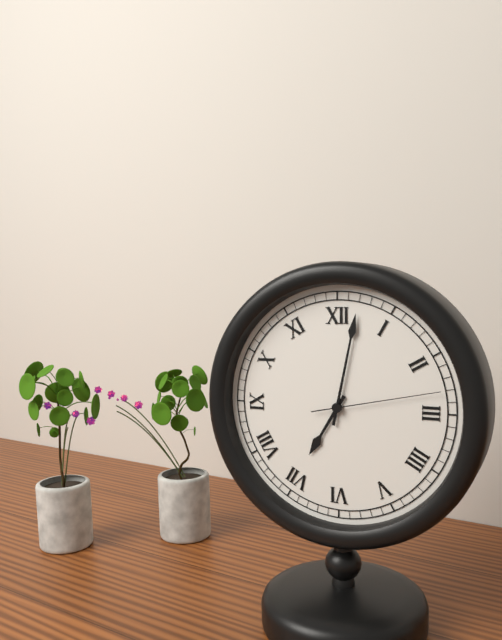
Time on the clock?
7:02:13
